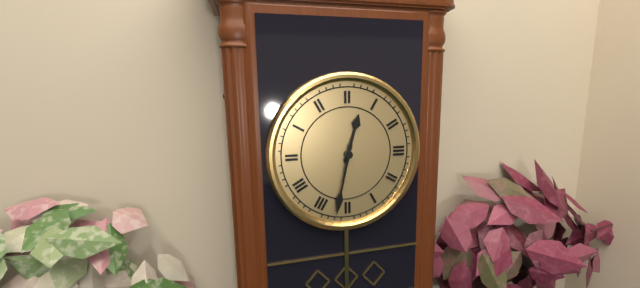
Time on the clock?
12:32
